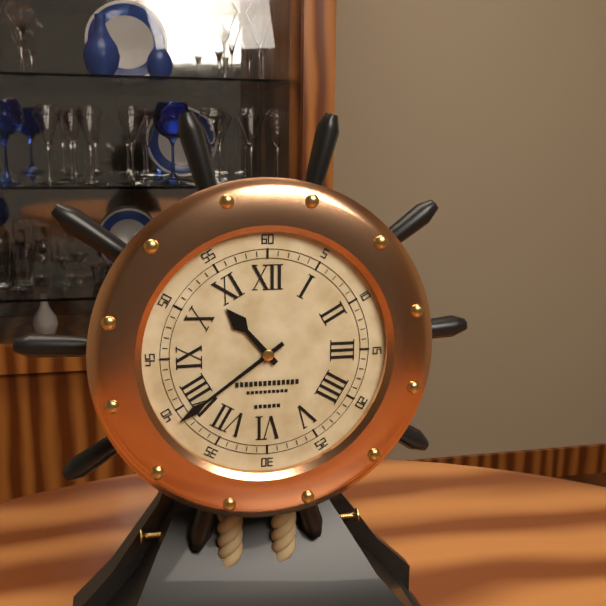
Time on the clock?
10:39
